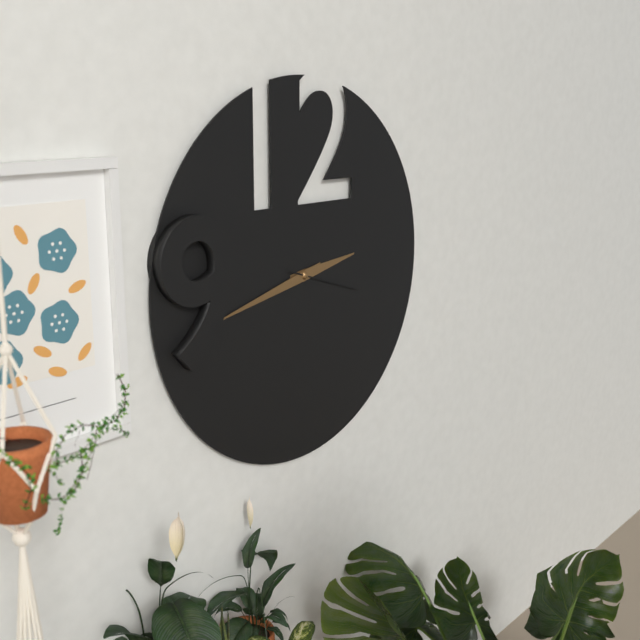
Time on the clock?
2:43:18
